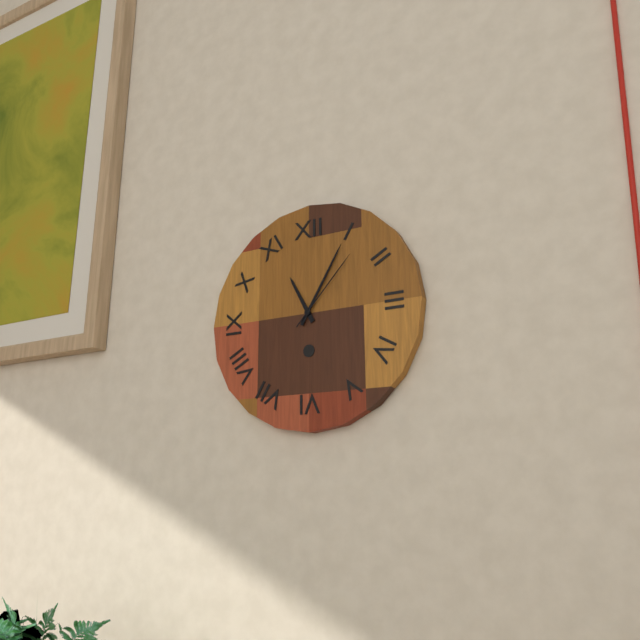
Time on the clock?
11:05:07
